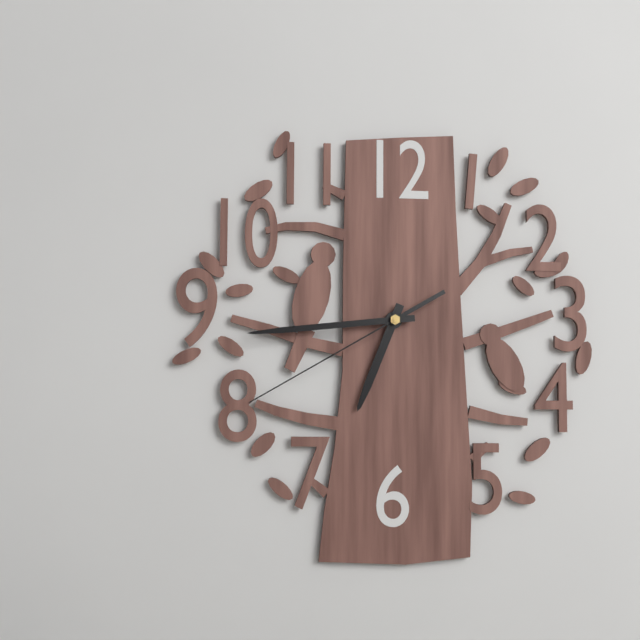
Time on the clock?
6:44:40
